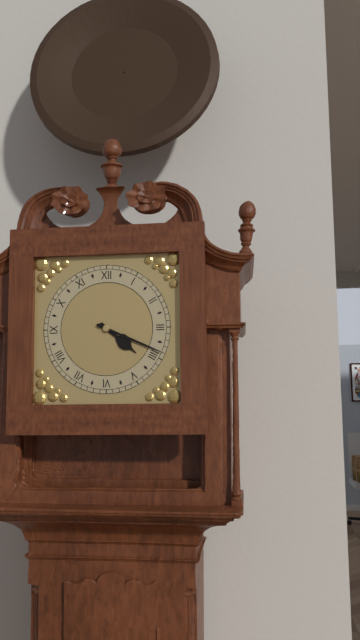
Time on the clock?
4:19
